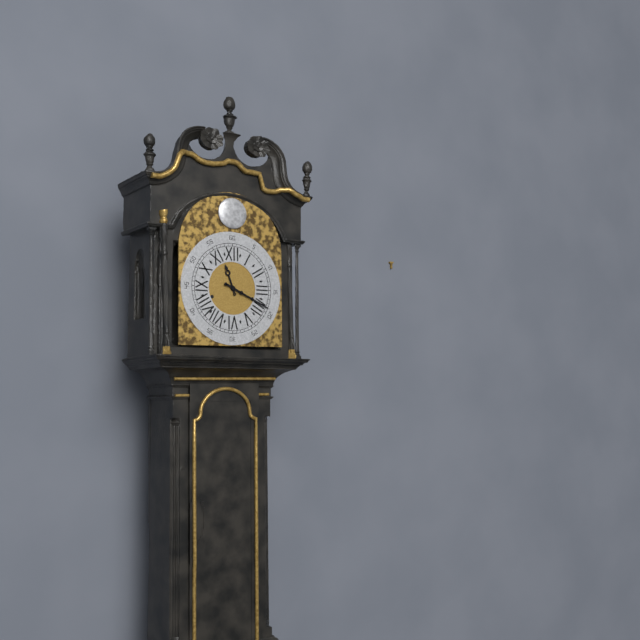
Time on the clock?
11:19
